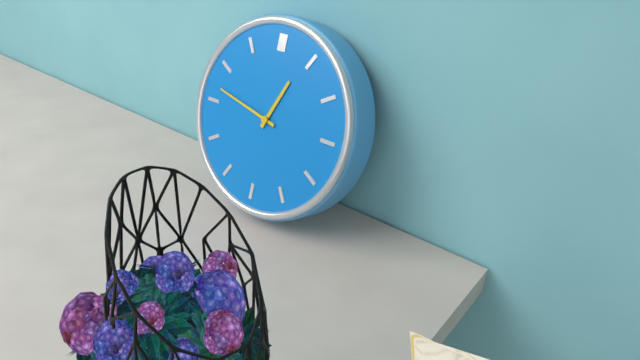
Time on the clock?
12:47
